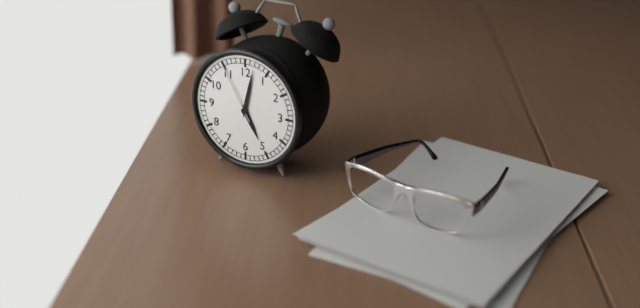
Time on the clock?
5:02:55
